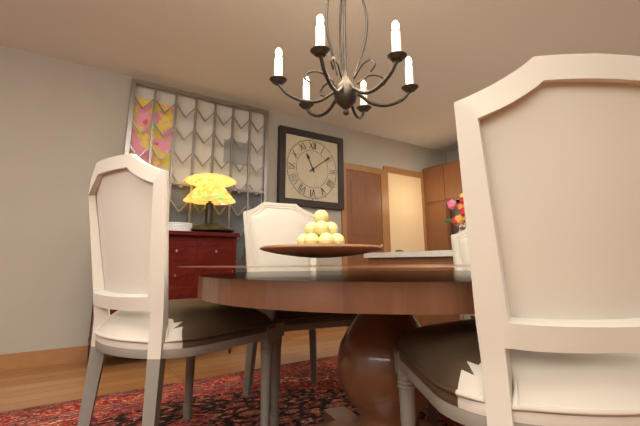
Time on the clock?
11:09
